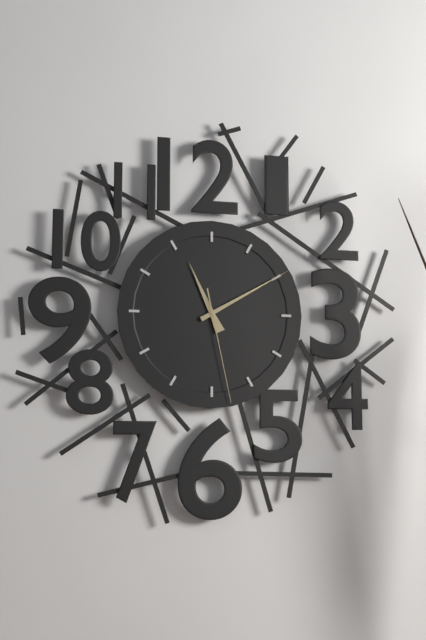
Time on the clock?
11:10:28
